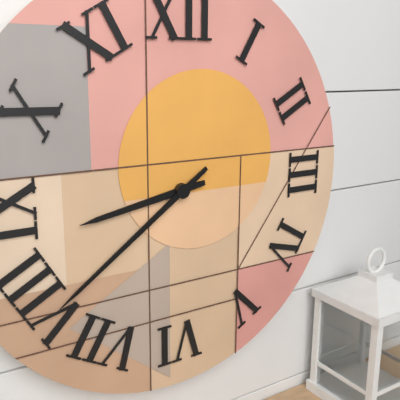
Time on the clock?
8:39
